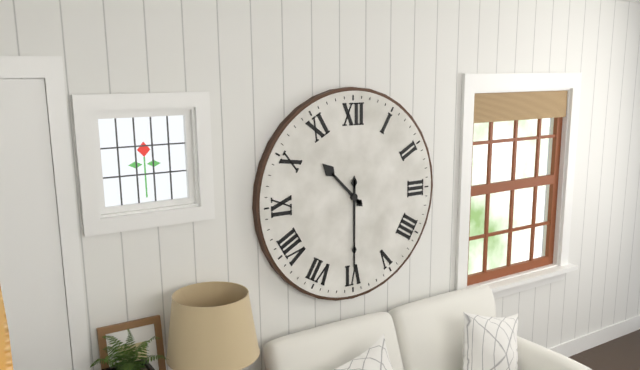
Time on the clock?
10:30
